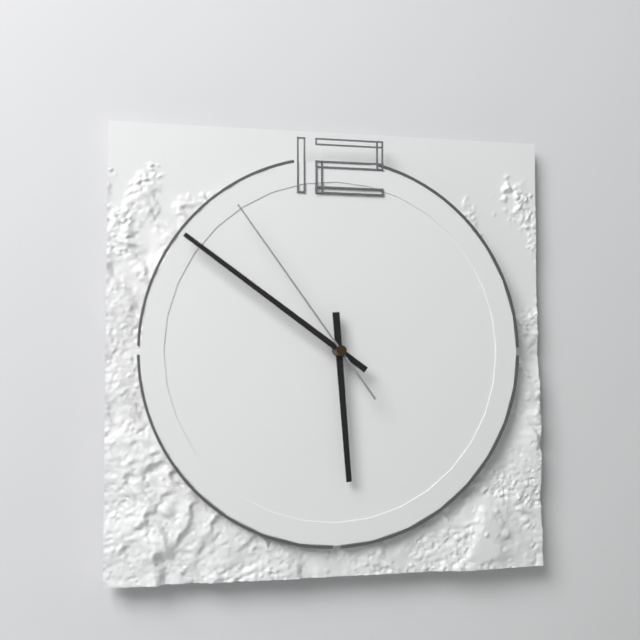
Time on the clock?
5:51:54
